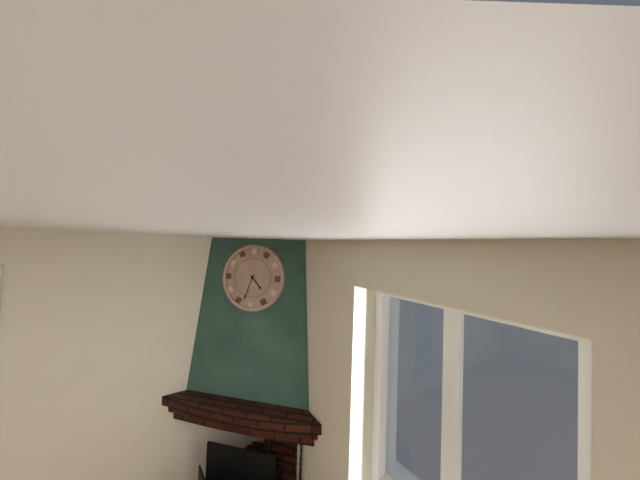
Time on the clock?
4:33
